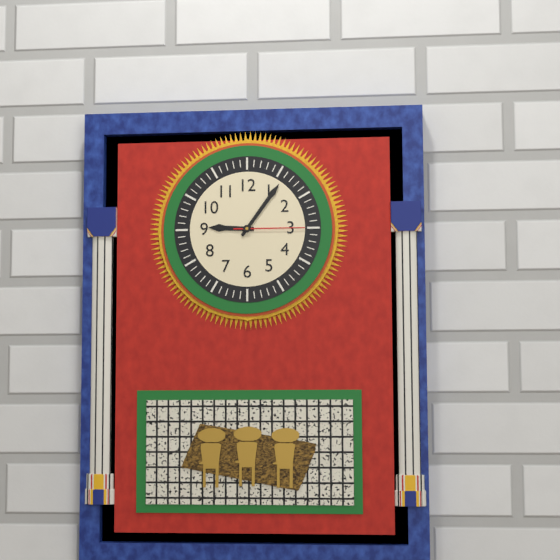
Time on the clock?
9:06:15
